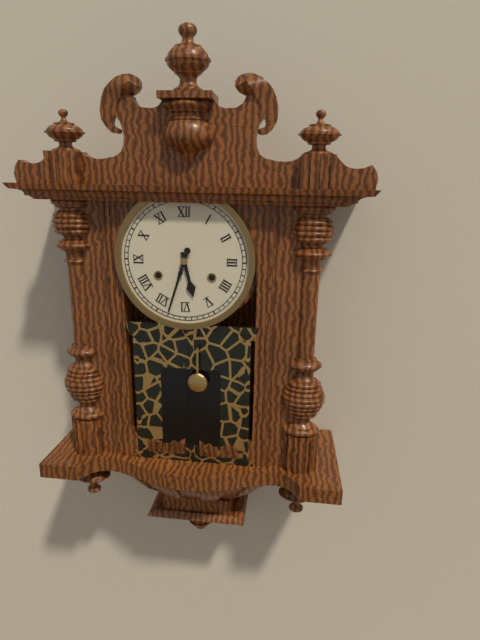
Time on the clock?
5:33
